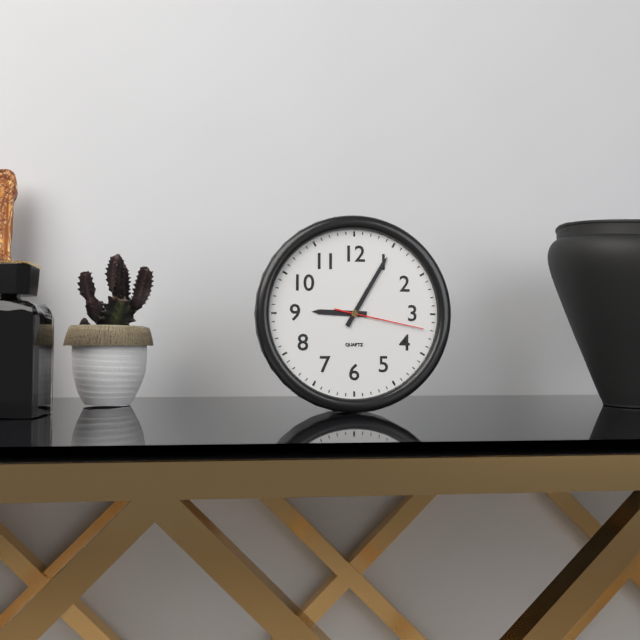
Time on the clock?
9:05:17
